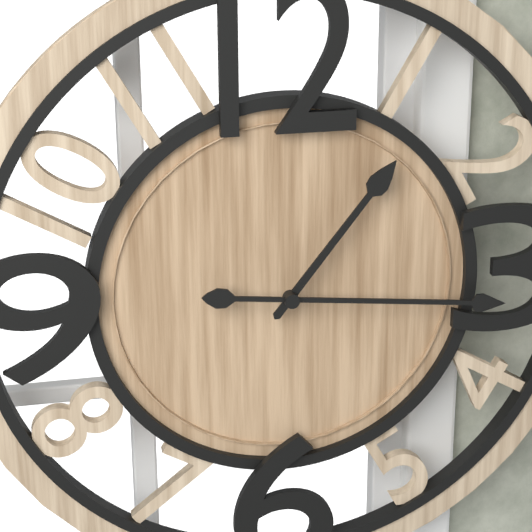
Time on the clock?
1:16
